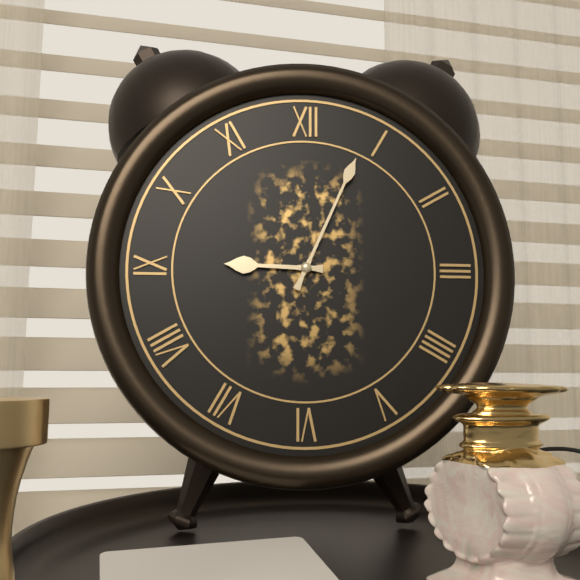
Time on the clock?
9:04
